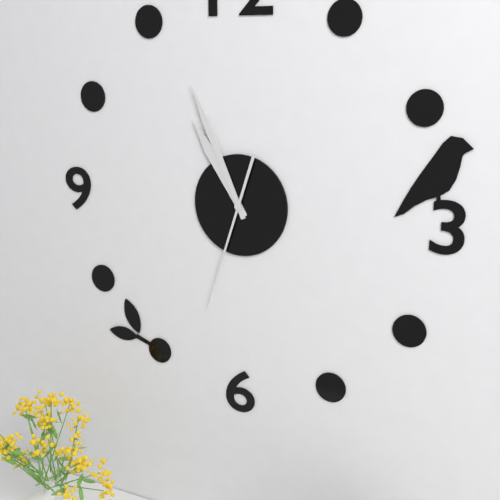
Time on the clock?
10:56:33
